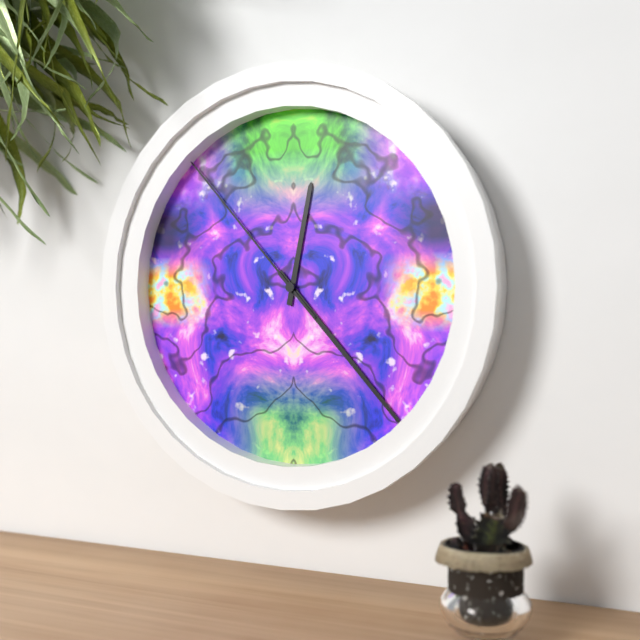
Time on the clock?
12:23:53
